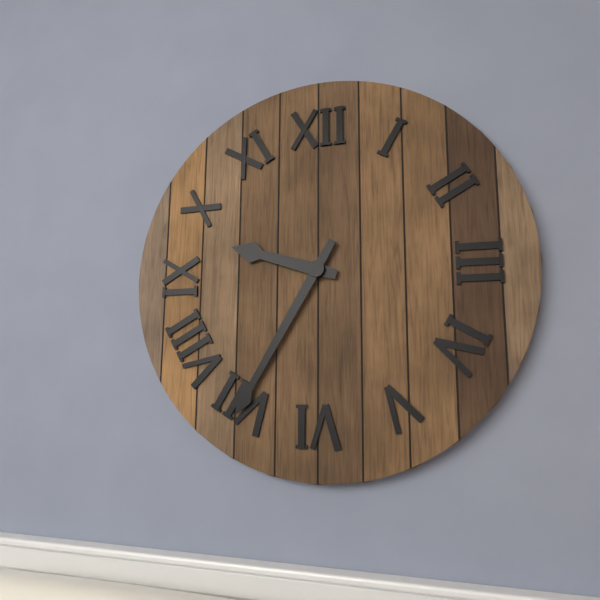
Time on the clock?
9:35
